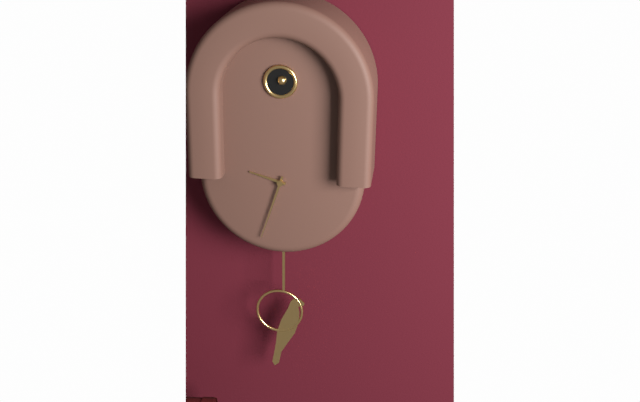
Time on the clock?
9:33
